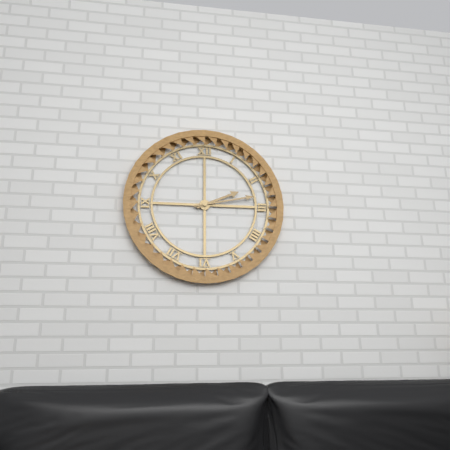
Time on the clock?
2:13
